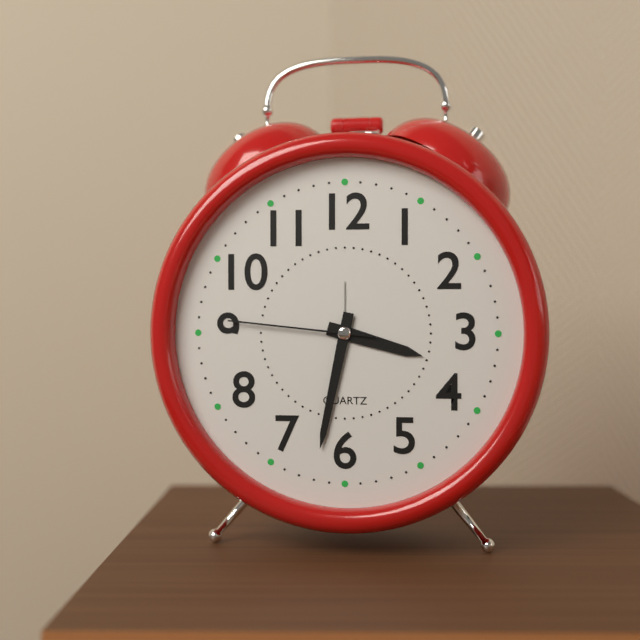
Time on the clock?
3:32:46
